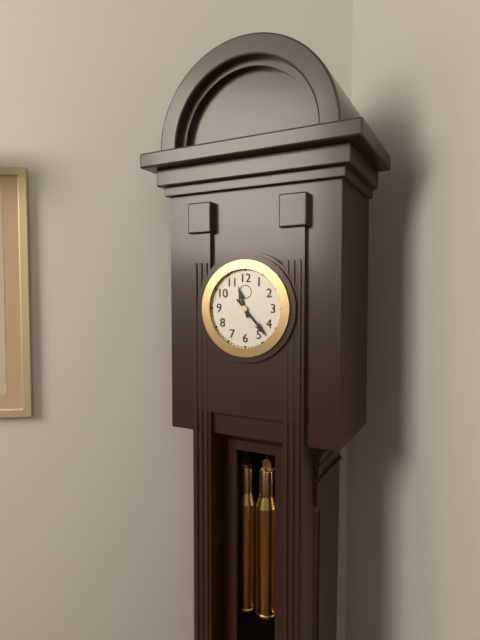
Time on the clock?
11:23
